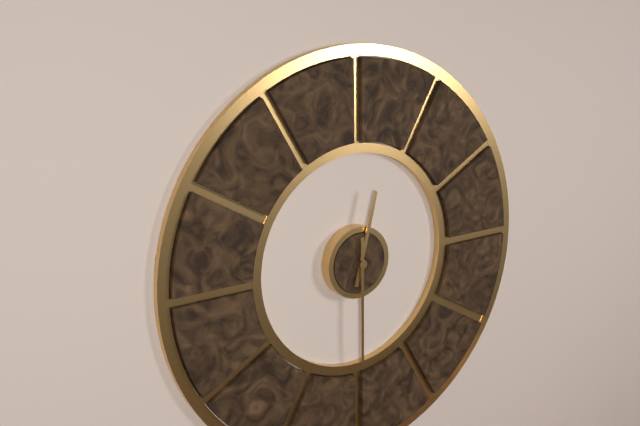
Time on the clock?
12:30
